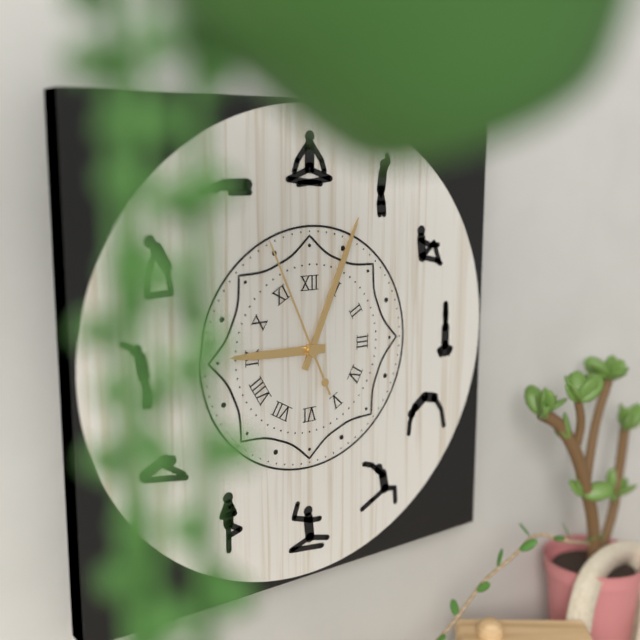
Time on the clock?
9:04:56
